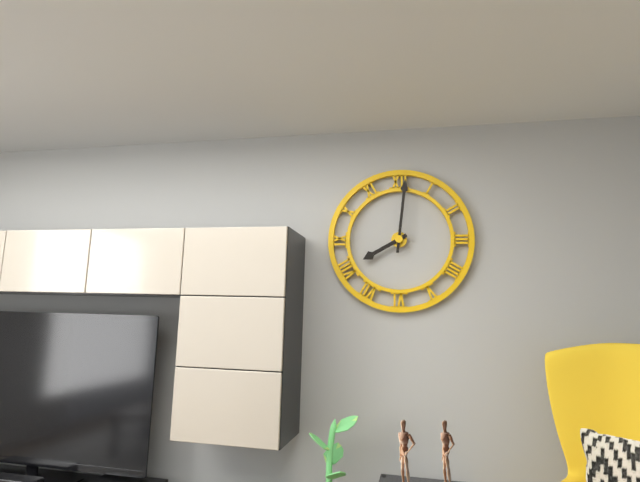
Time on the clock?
8:01
